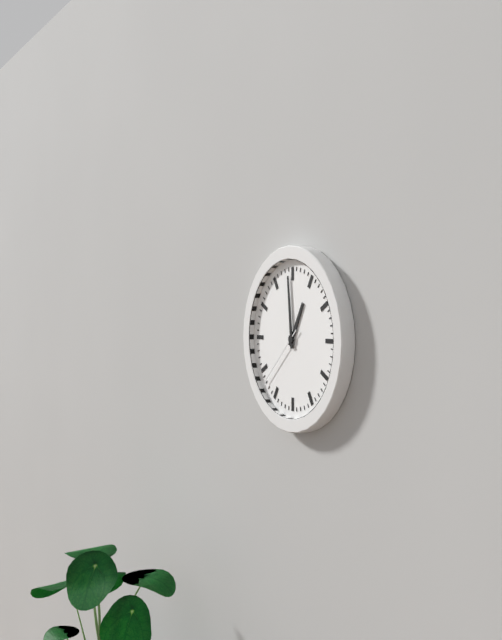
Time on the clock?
12:59:38
